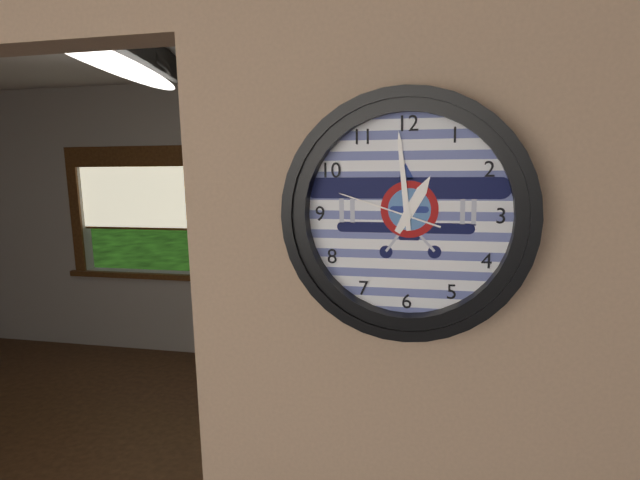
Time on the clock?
12:59:48
